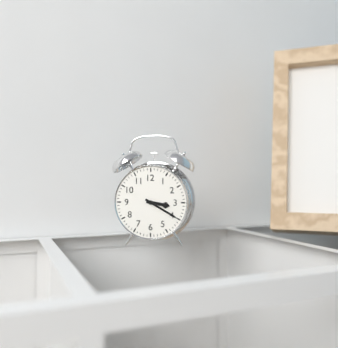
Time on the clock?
3:20
